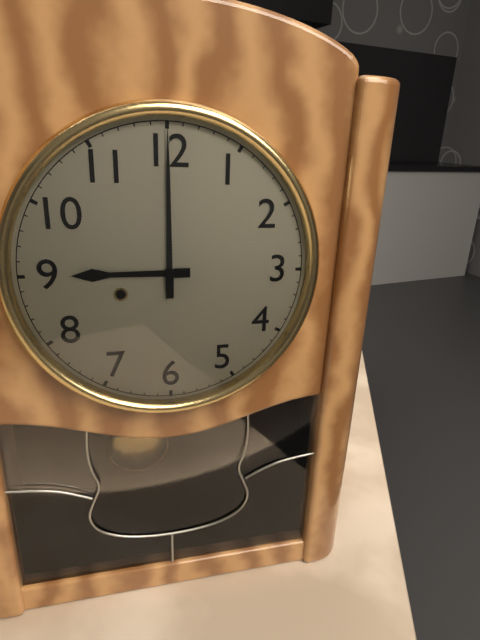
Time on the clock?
9:00
